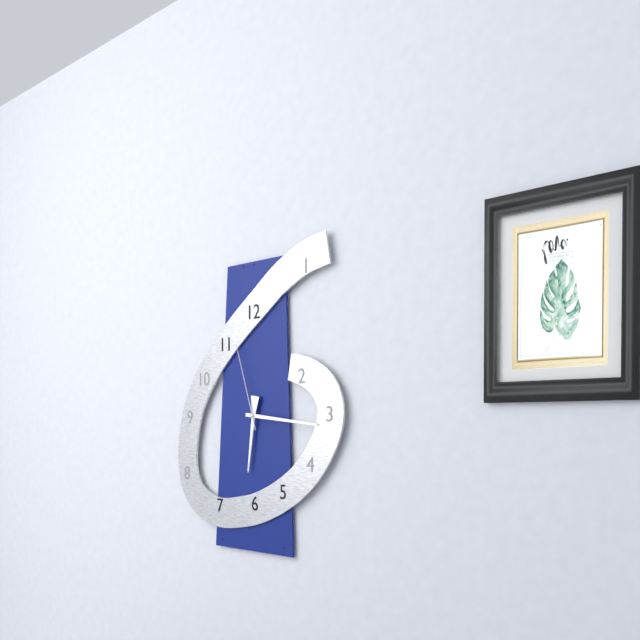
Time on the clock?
6:16:57
